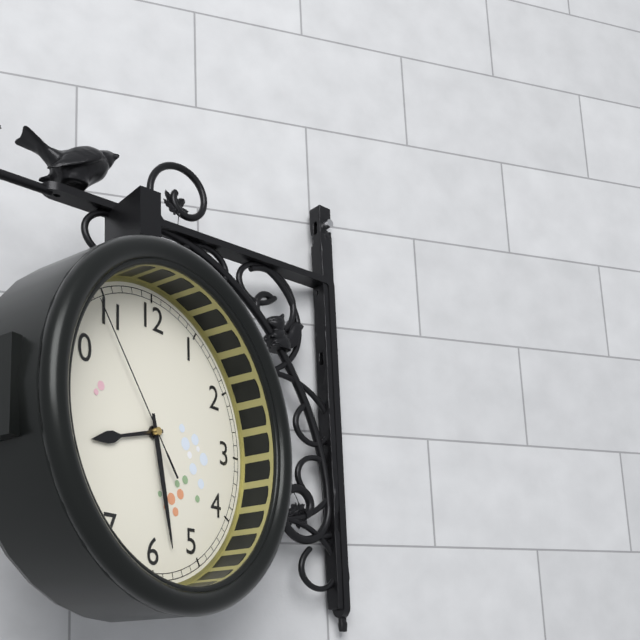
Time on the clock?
8:28:54
